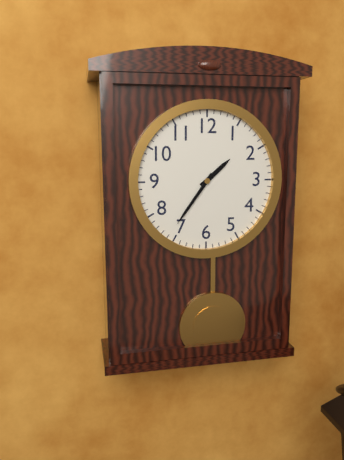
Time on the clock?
1:36
